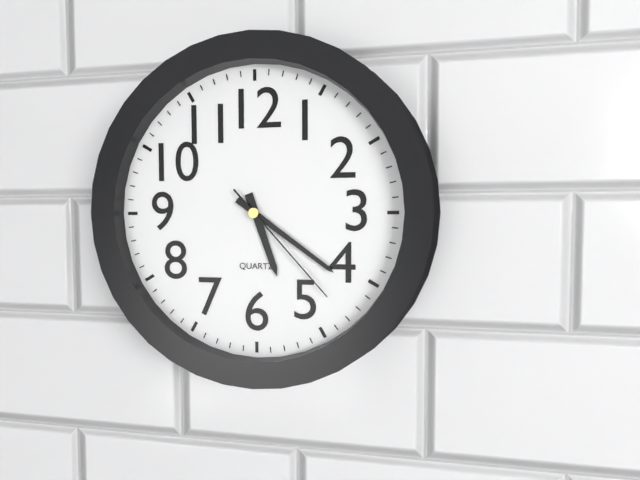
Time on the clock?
5:21:23
